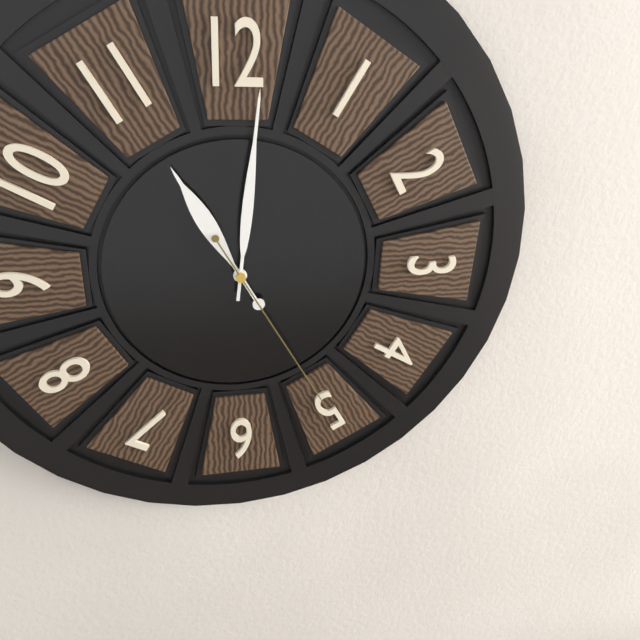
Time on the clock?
11:01:25
